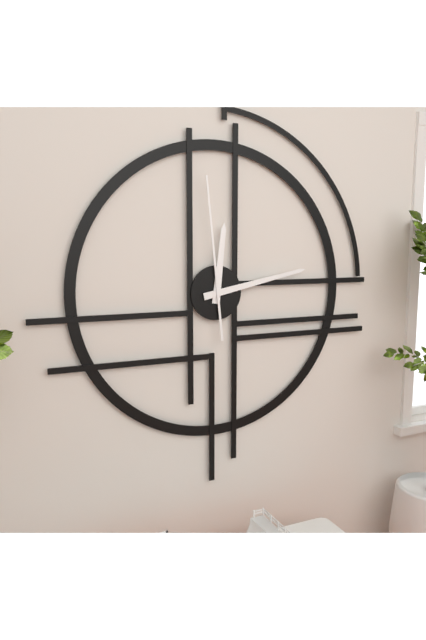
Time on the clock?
12:13:59
